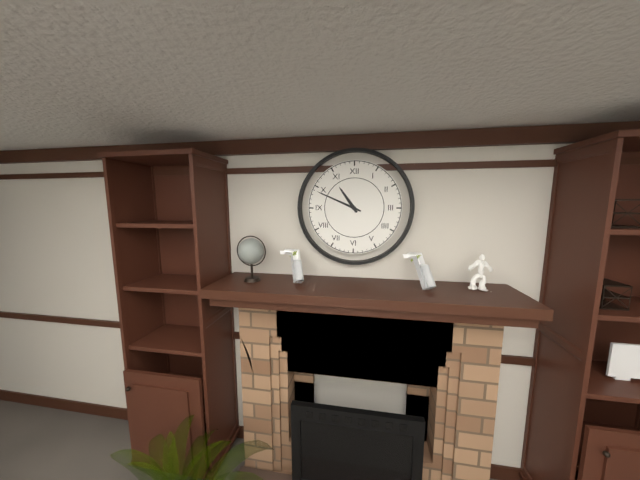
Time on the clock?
10:49
